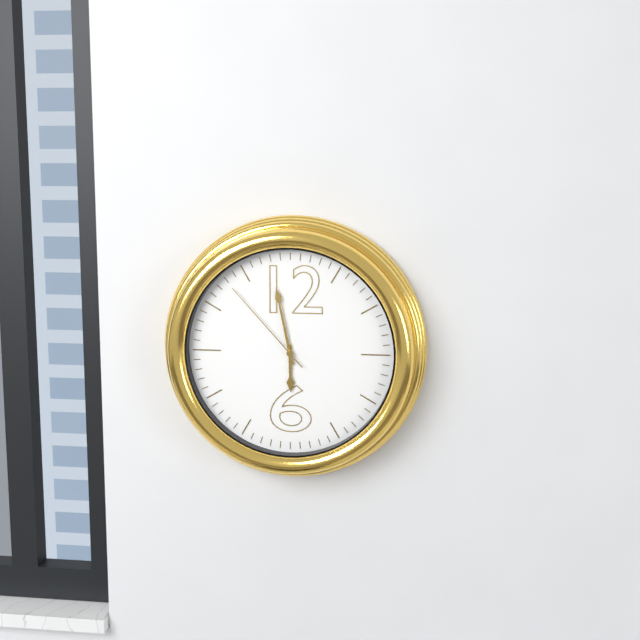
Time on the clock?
5:58:53
